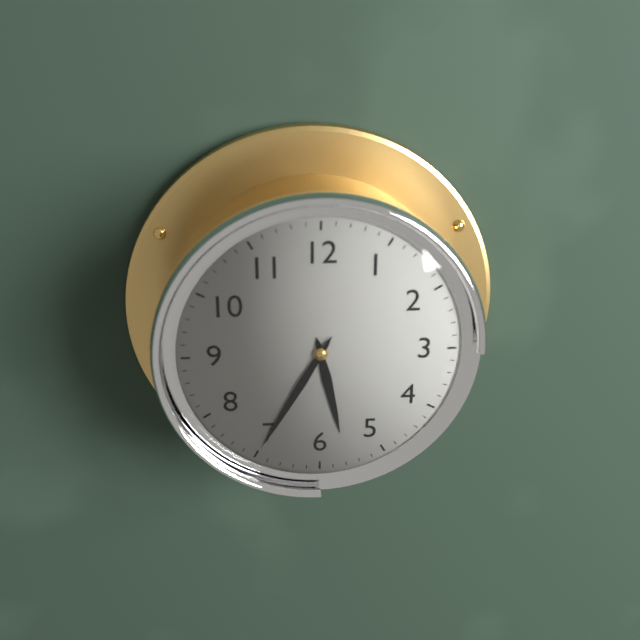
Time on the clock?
5:35
